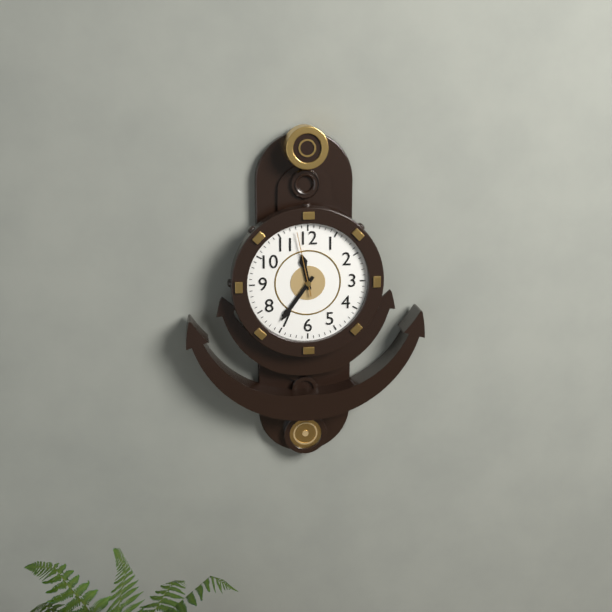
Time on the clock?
11:36:58
